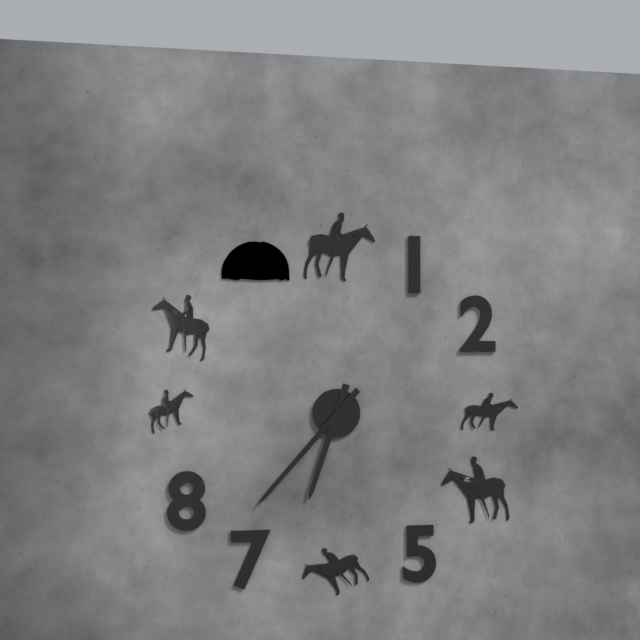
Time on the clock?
6:37
